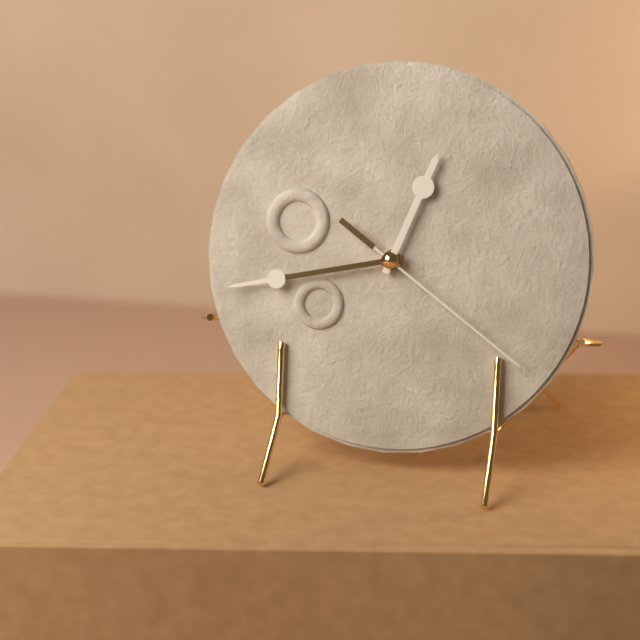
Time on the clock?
12:43:21
